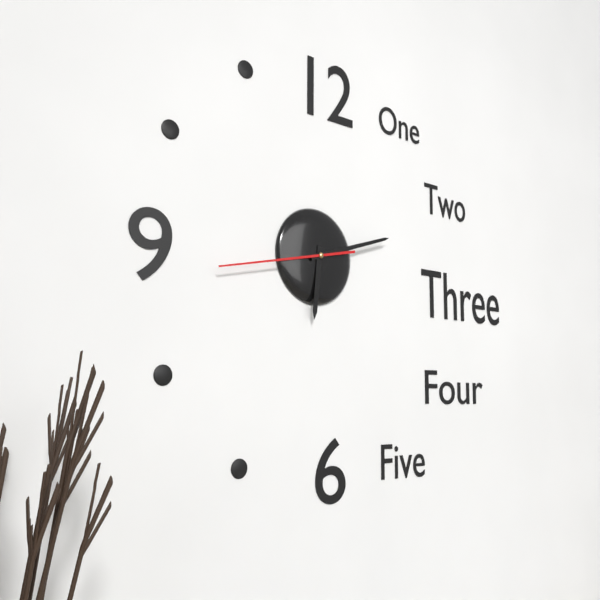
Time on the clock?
6:12:43
